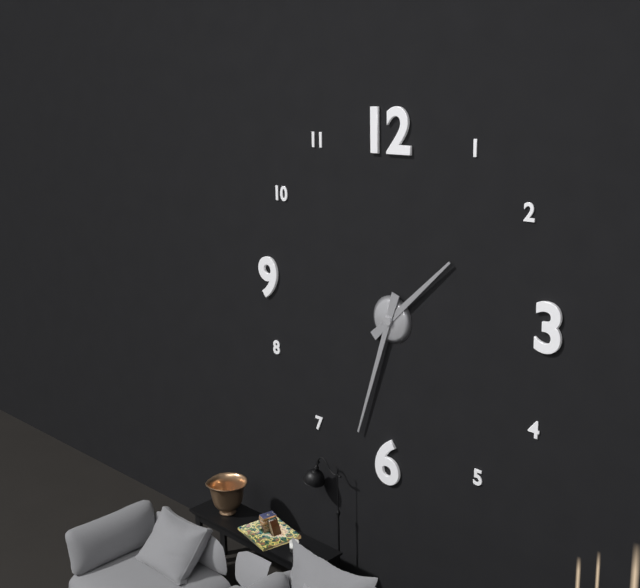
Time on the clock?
1:33
